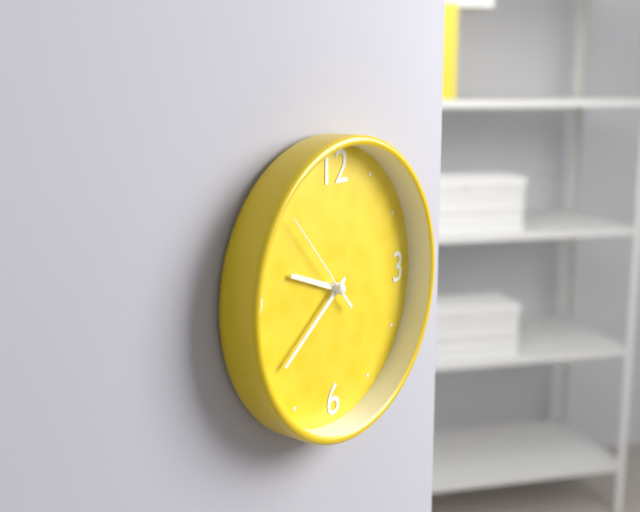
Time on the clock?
9:39:53
